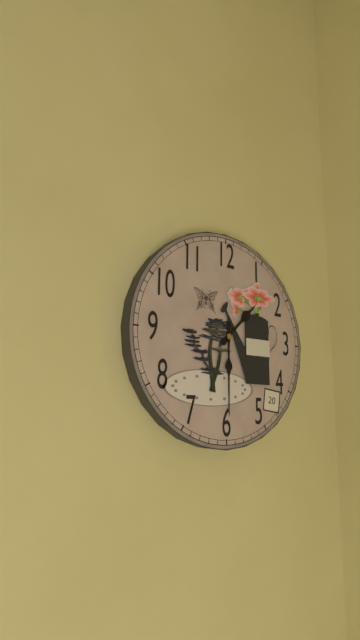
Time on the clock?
1:30
